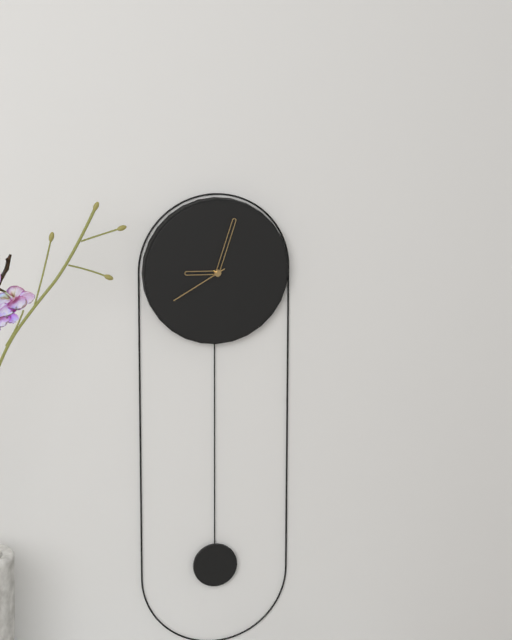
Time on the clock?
9:03:40
